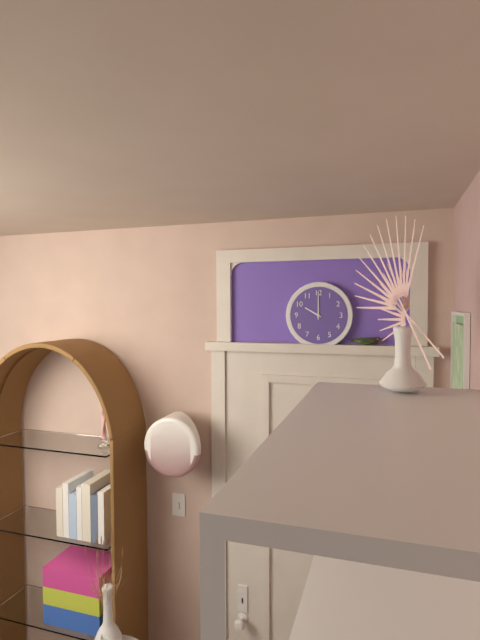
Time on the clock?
10:00
